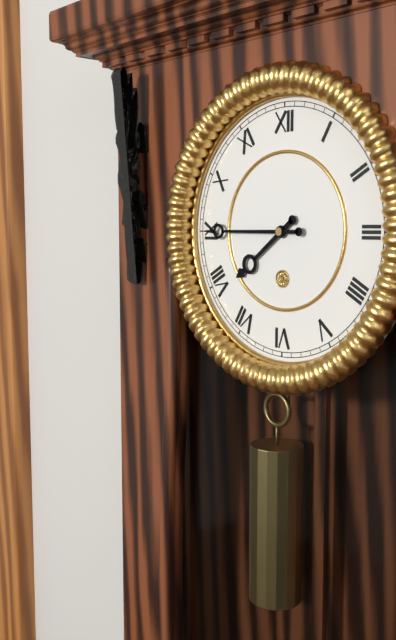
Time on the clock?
7:45
